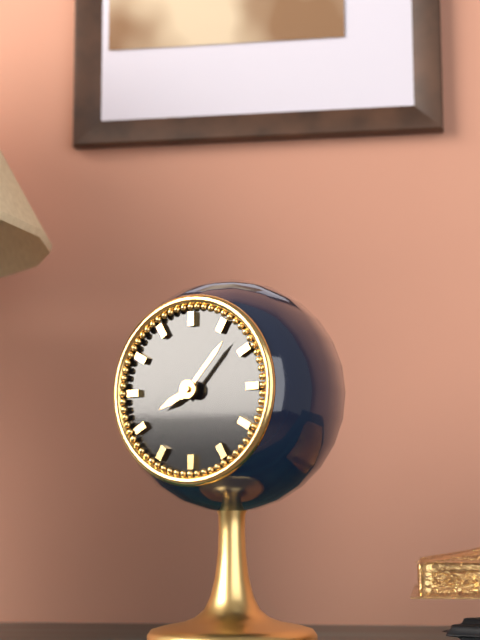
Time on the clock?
8:07
